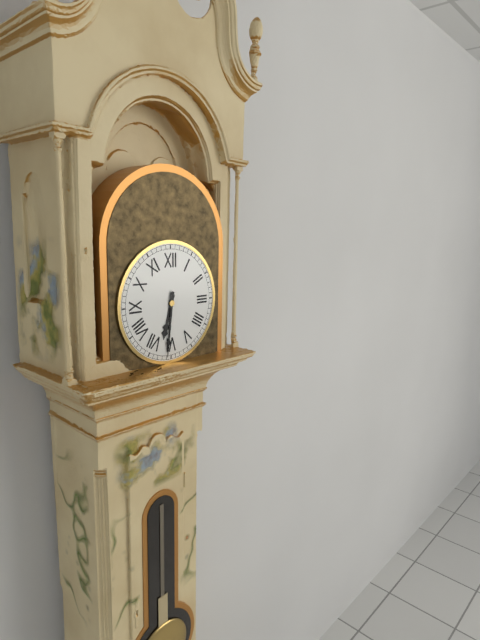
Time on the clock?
6:31
